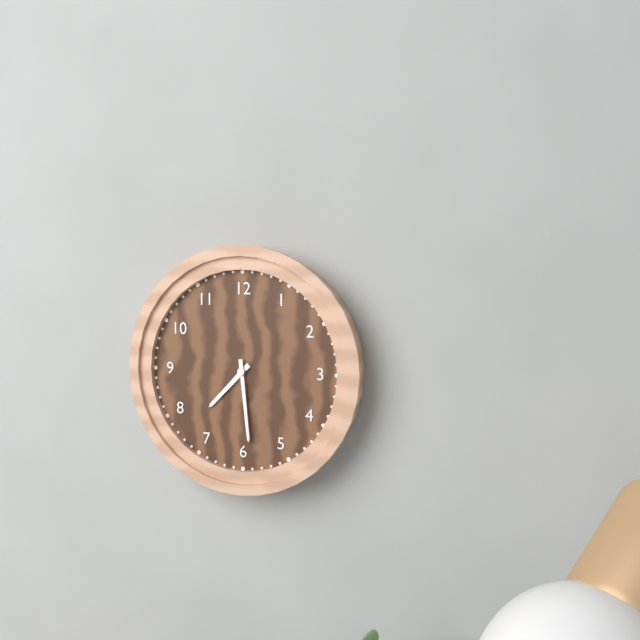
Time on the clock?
7:29
